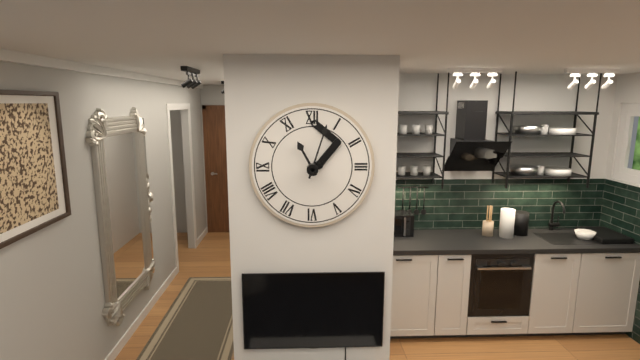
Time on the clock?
11:03
